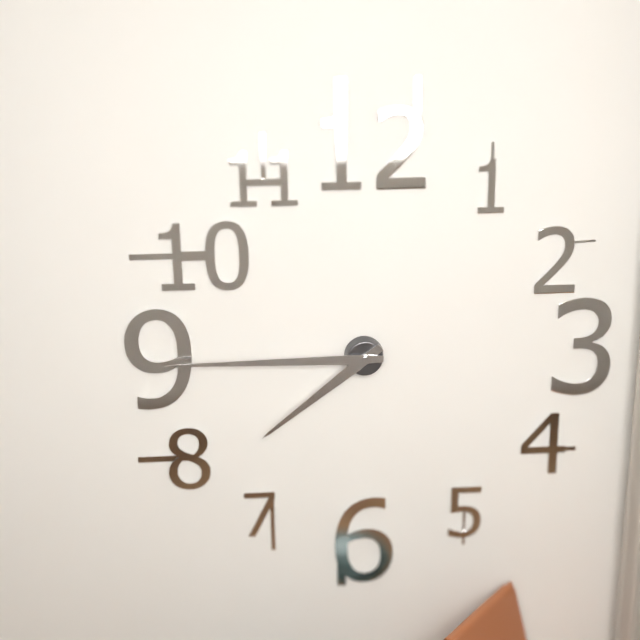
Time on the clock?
7:45
